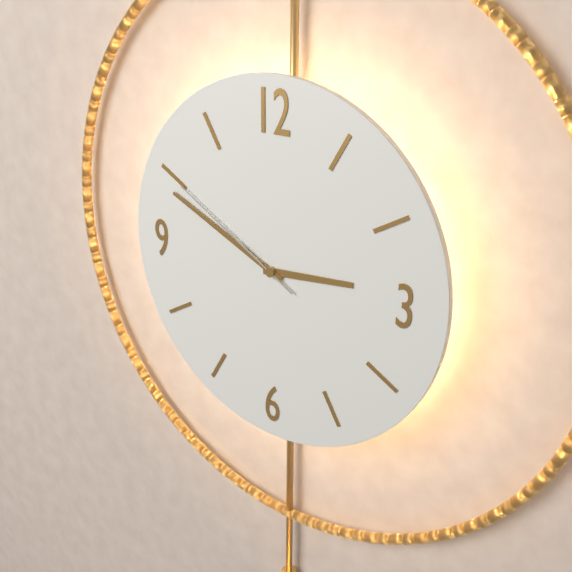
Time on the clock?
2:49:50
